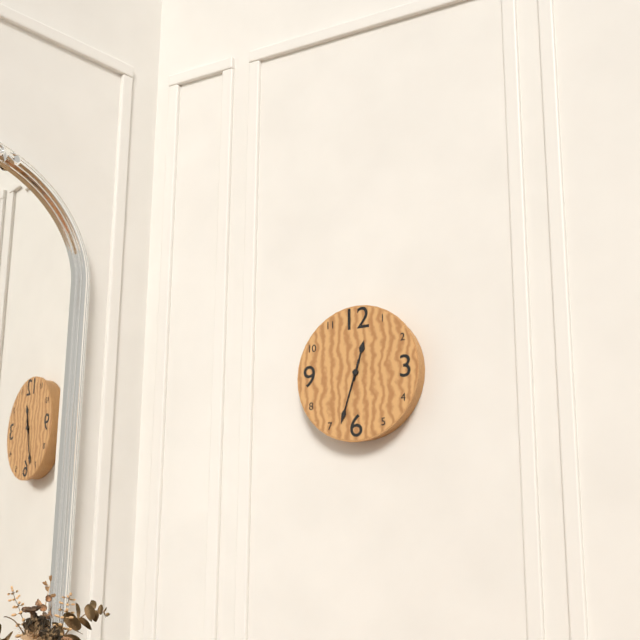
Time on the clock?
12:33
